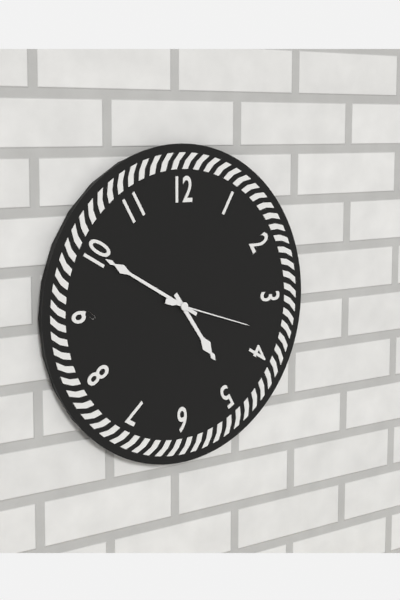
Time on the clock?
4:50:18
